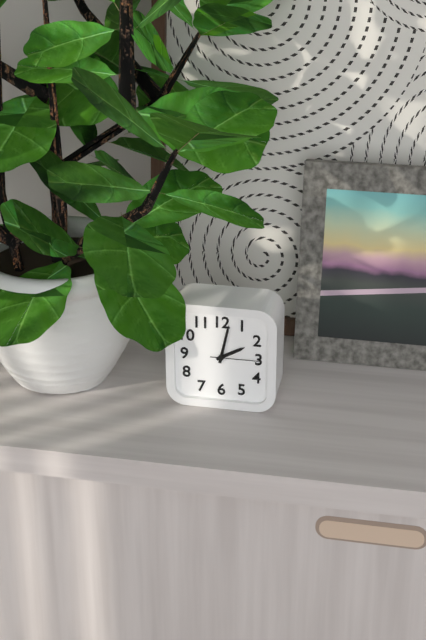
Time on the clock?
2:02
